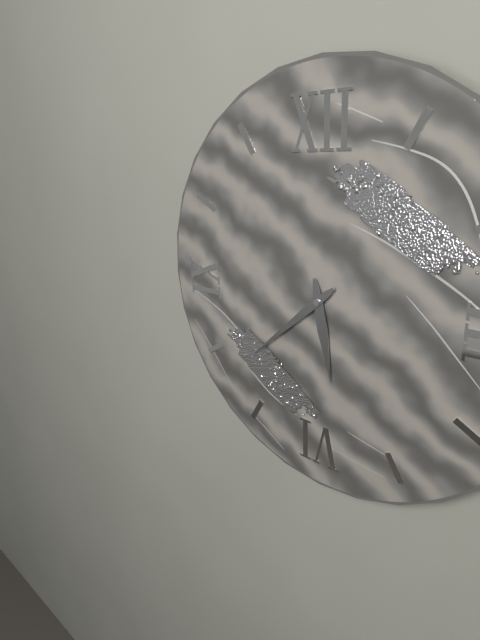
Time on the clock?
5:38
